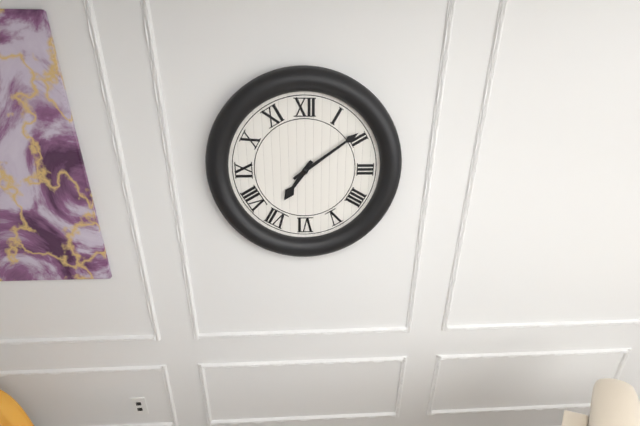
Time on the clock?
7:09
